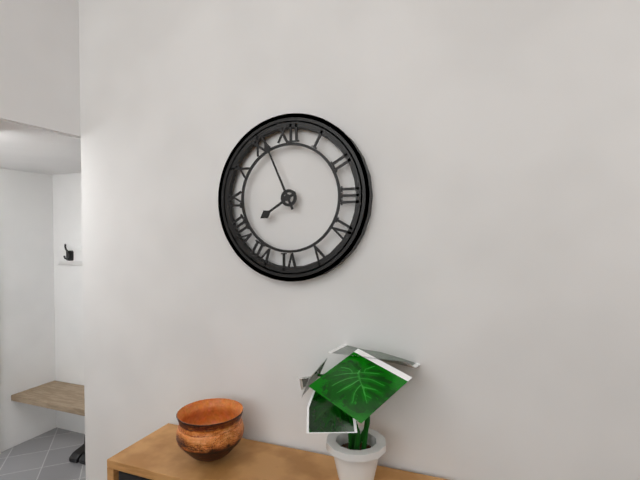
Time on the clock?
7:56
